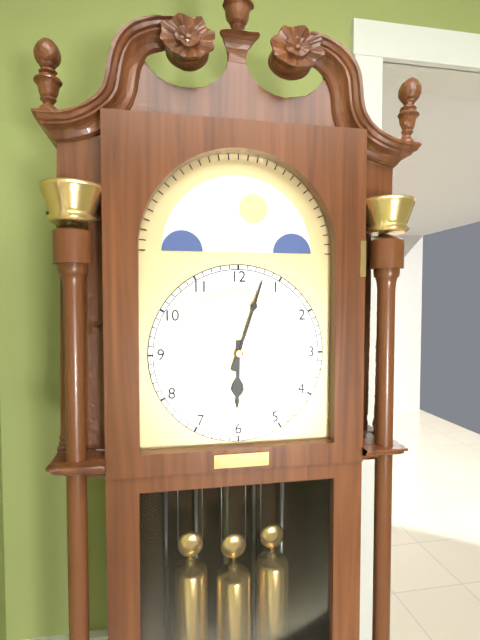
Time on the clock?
6:03
